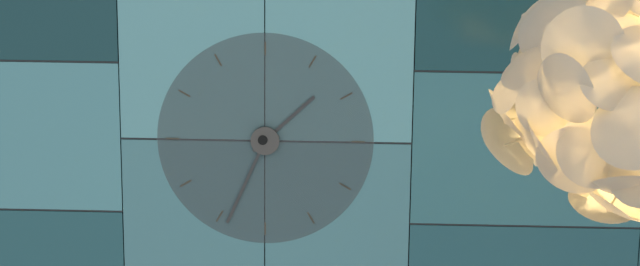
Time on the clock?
1:34
